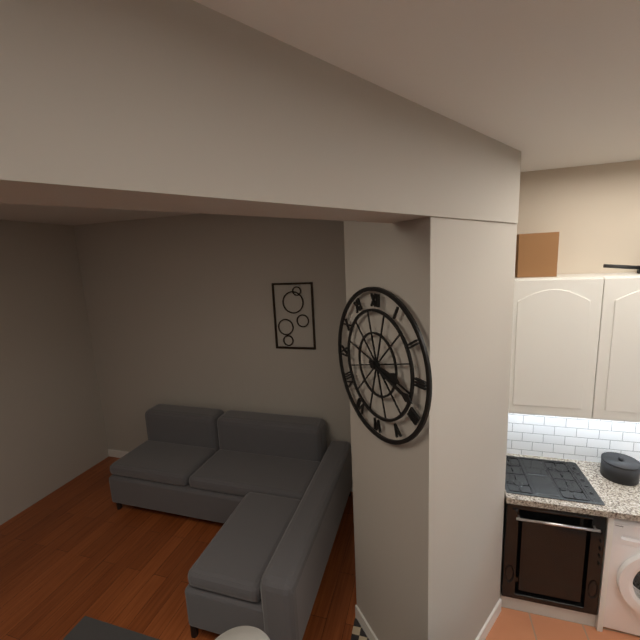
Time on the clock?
3:18
